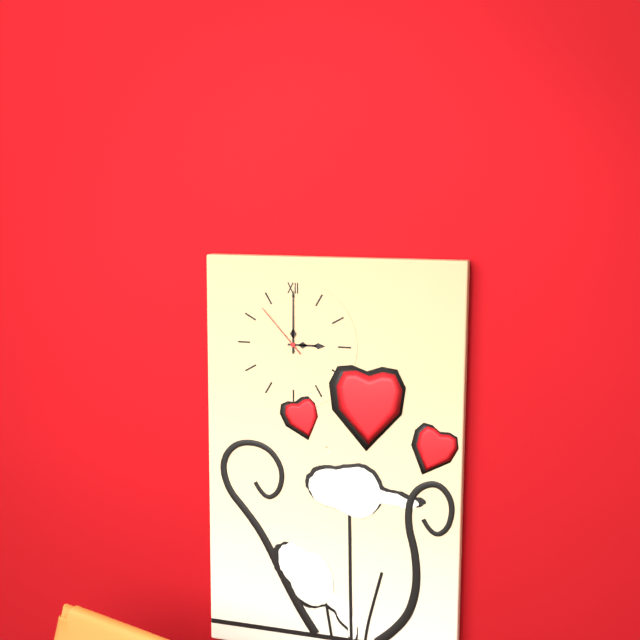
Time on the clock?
3:00:53
